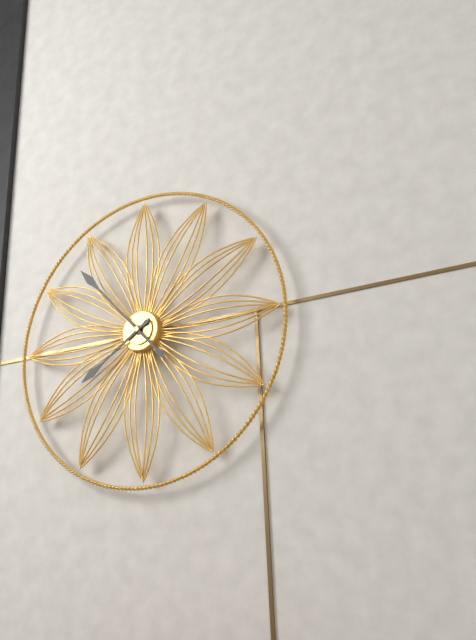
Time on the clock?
7:53
